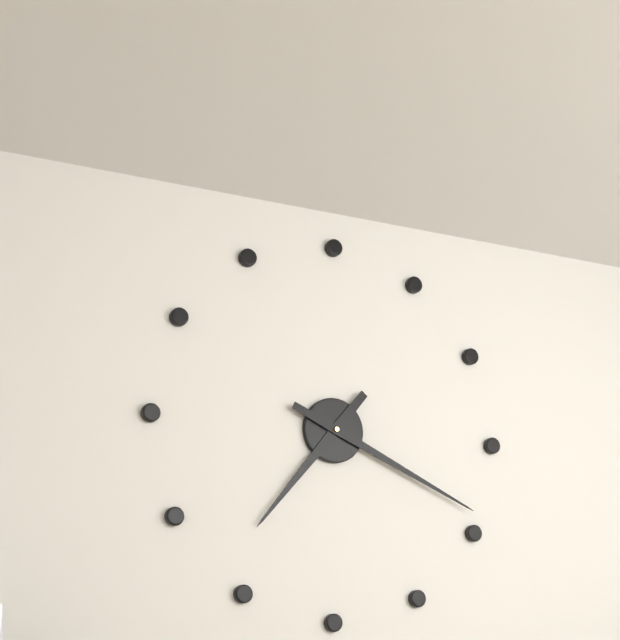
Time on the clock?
7:19
